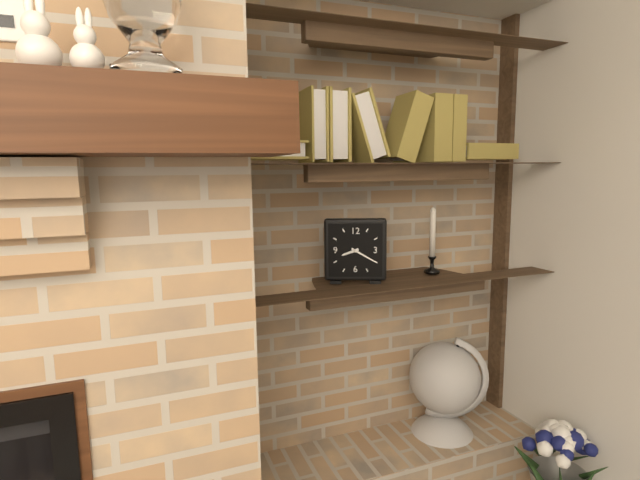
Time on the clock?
8:20
